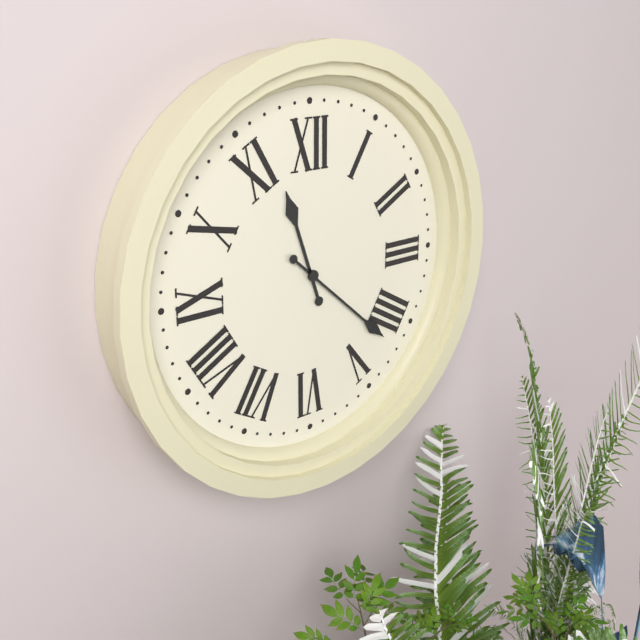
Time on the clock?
11:22
